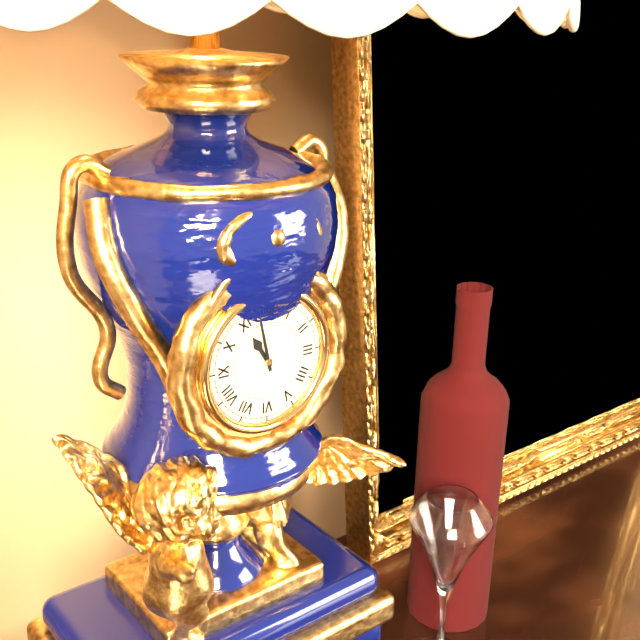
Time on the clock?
10:58
